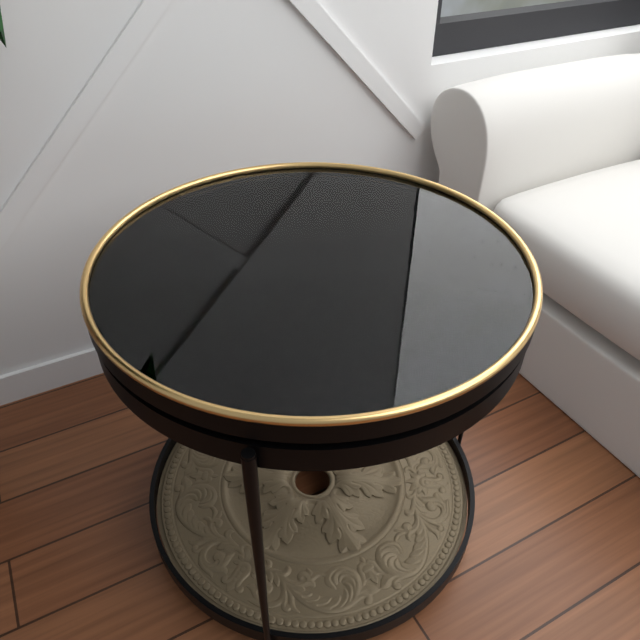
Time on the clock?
7:38
